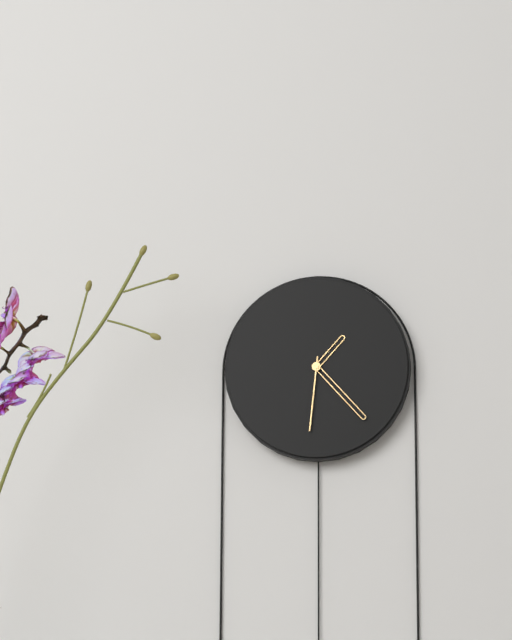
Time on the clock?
1:23:31
